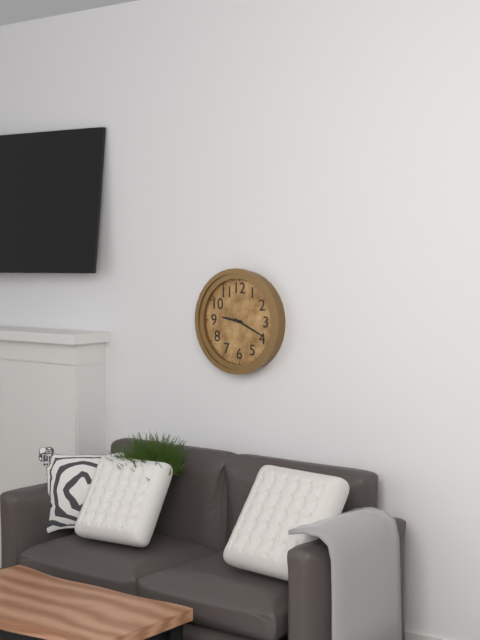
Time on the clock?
9:19
